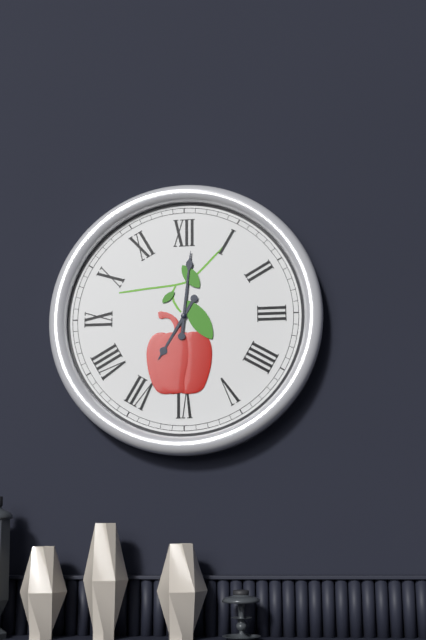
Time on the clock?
7:01
